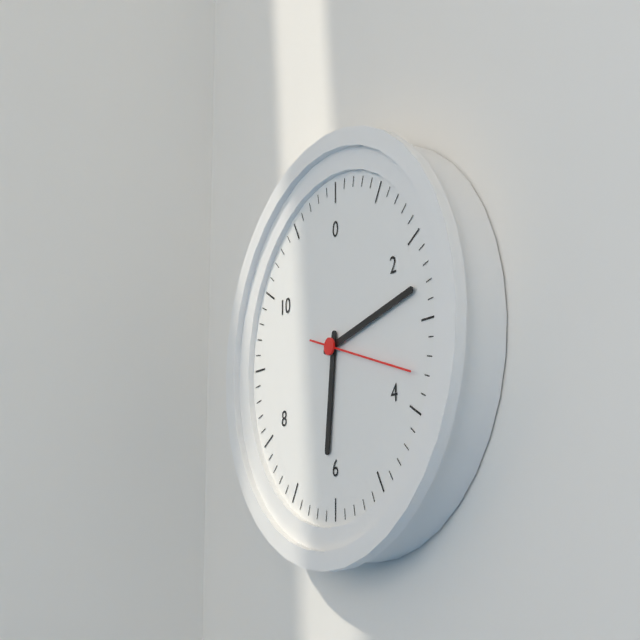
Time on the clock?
6:13:18
